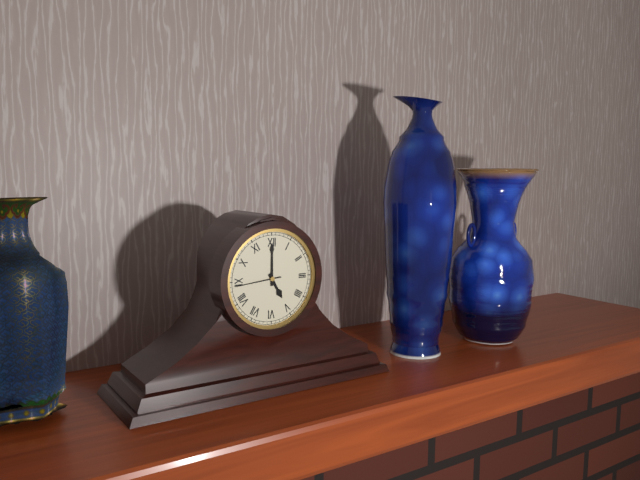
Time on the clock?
5:00
